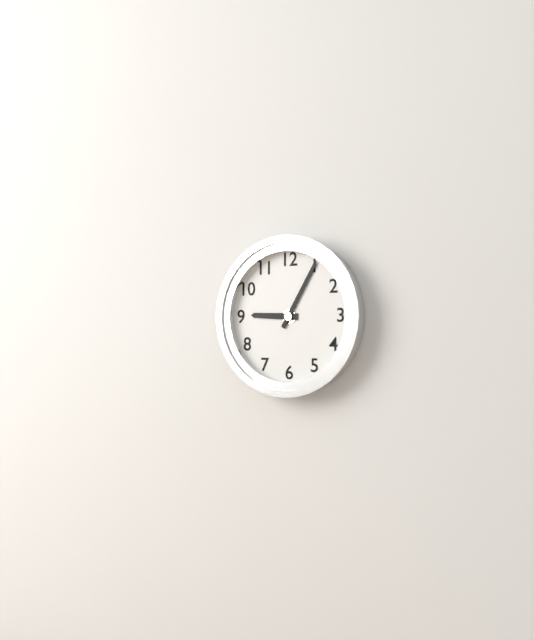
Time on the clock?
9:05
